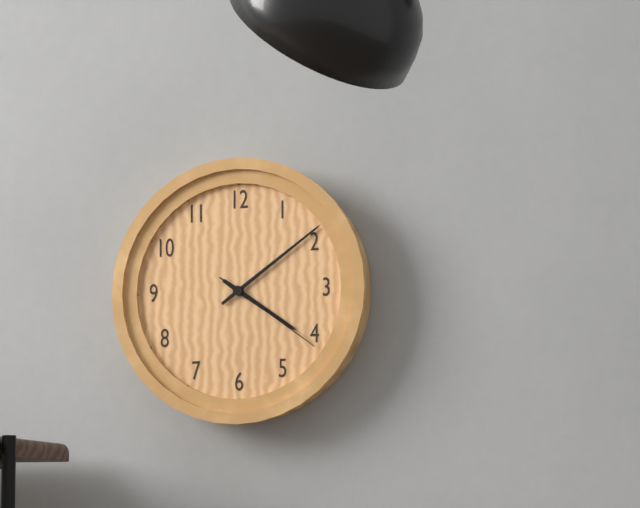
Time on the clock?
4:09:21
